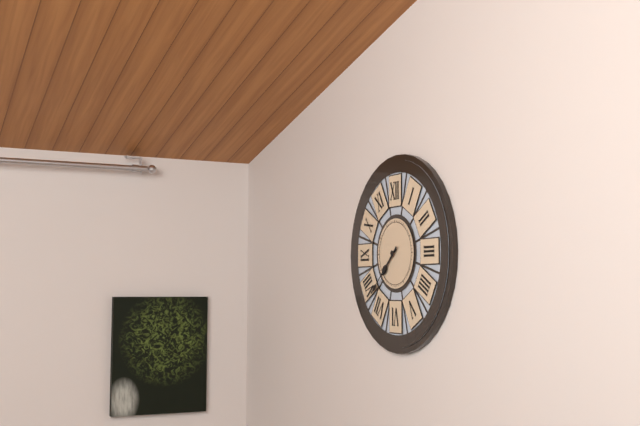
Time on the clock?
7:38
